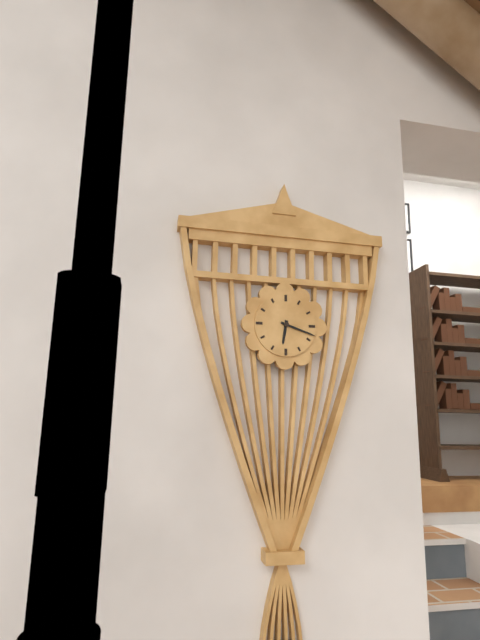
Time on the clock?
6:18
